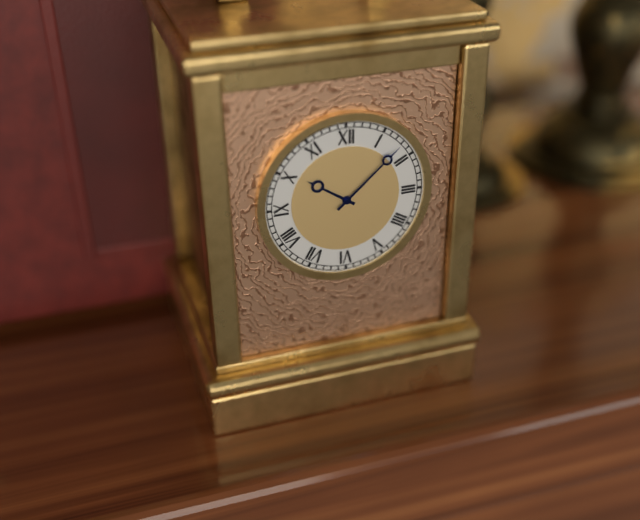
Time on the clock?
10:08
